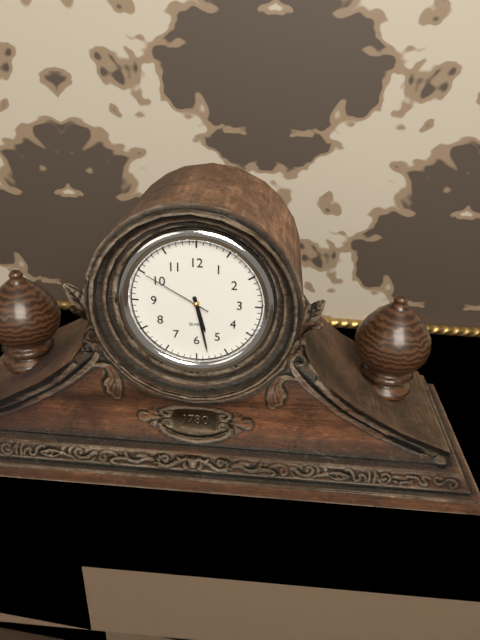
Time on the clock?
5:28:50
